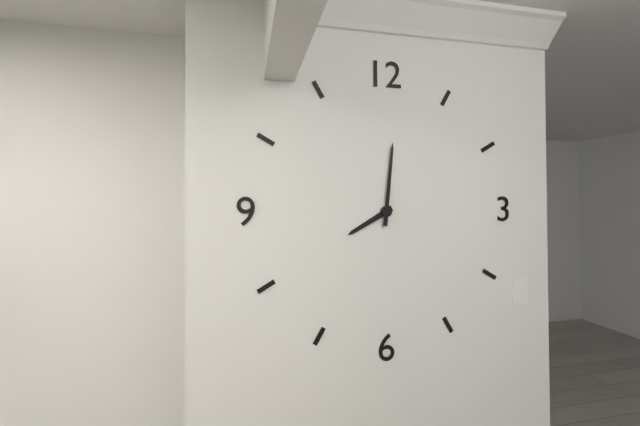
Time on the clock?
8:01
